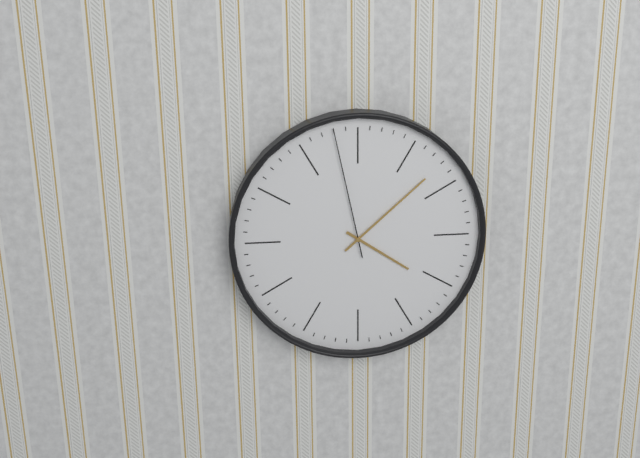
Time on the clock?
4:08:58
